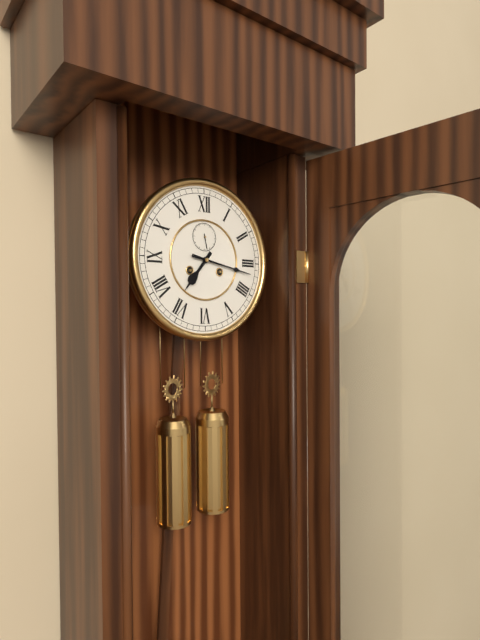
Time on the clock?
7:17
